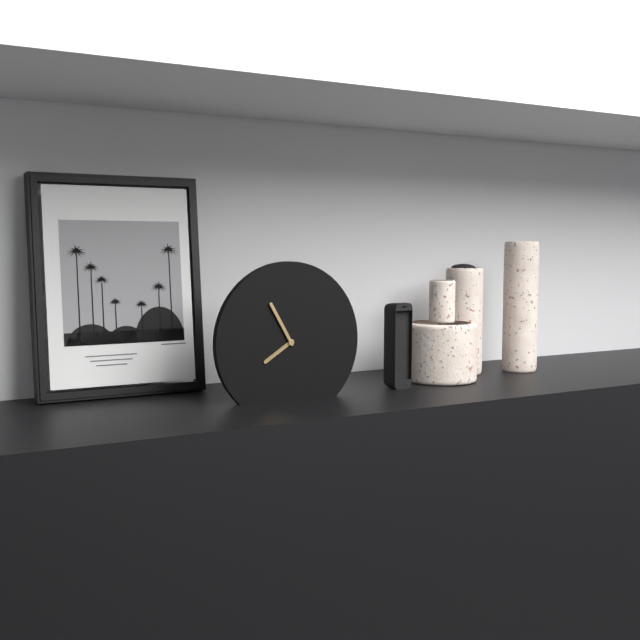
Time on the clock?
7:55
